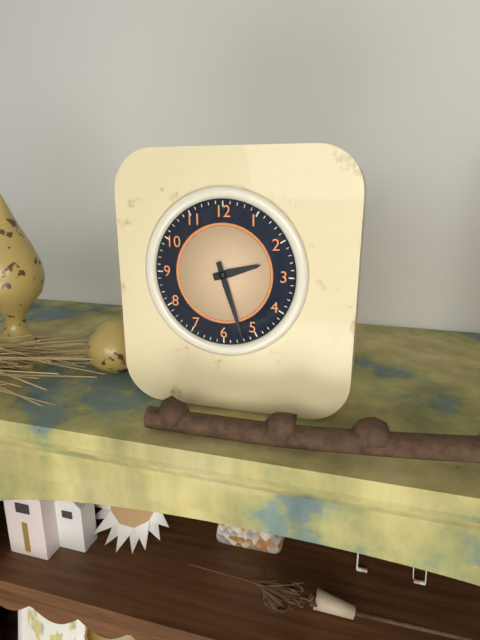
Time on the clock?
2:27
